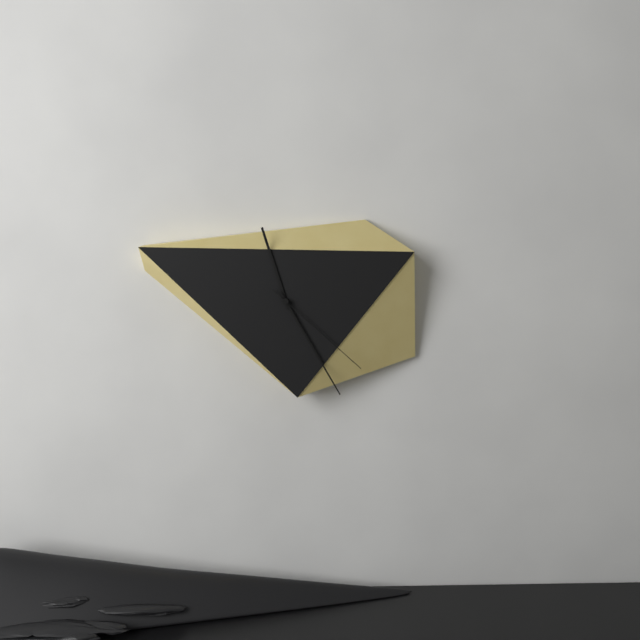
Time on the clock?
11:25:22
